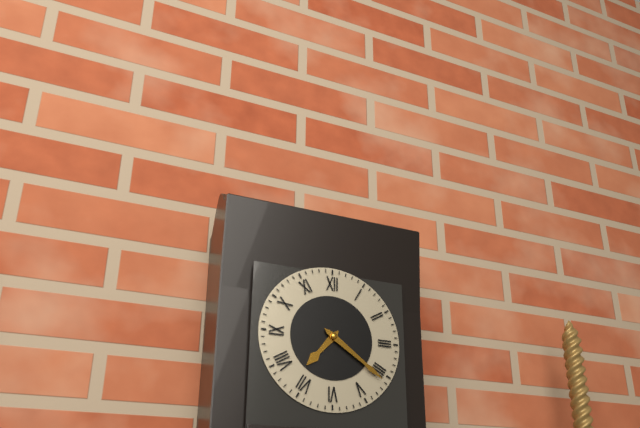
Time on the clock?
7:21
